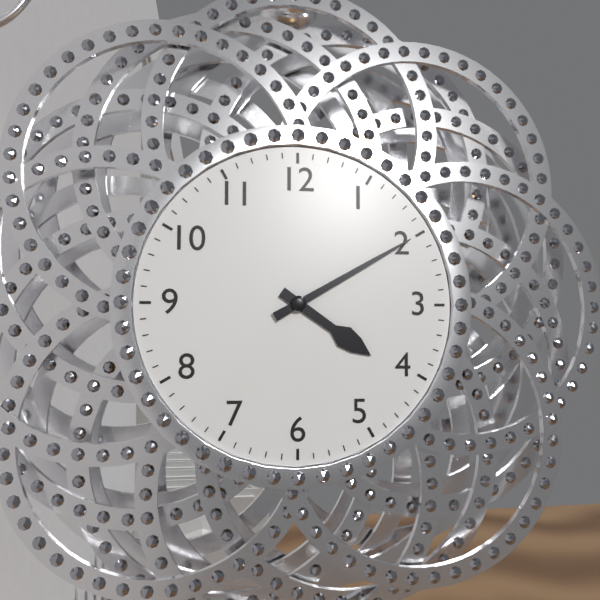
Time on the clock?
4:10
